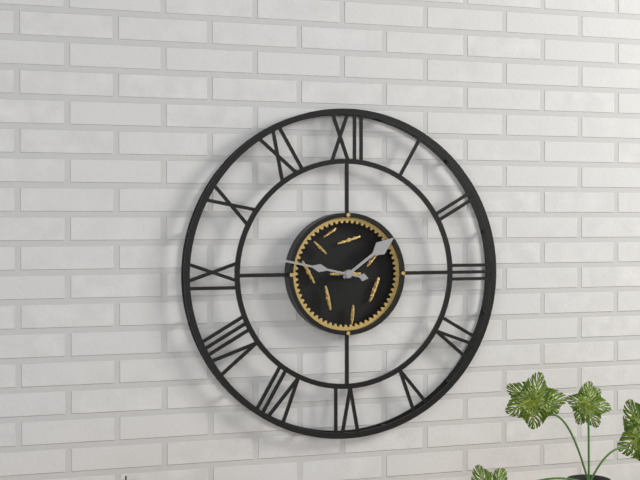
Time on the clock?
1:47
